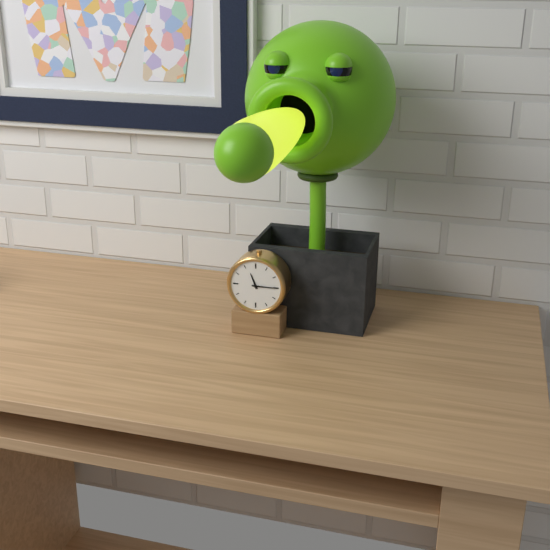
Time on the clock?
11:15
